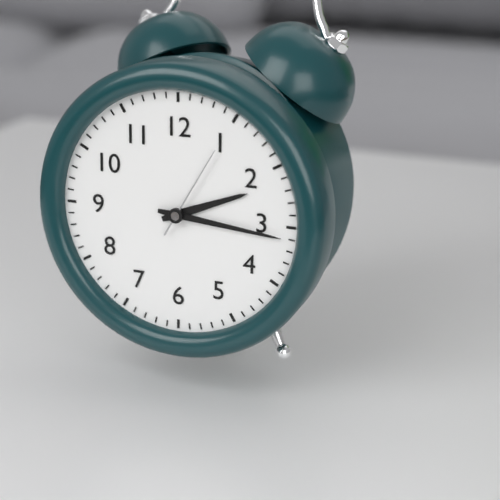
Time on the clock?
2:16:05
